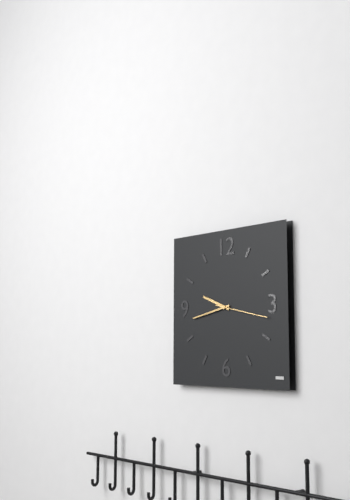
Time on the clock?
9:43:17
